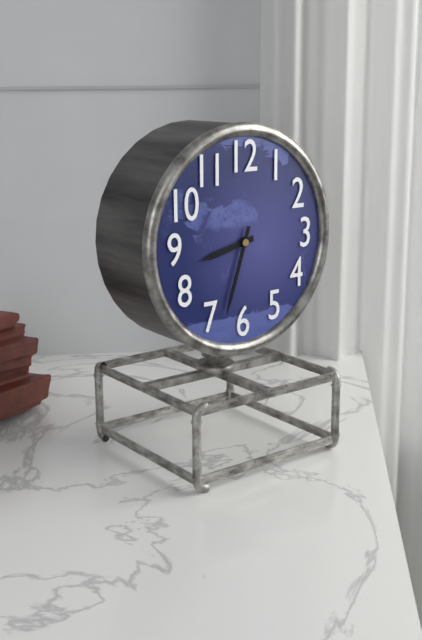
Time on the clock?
8:33
